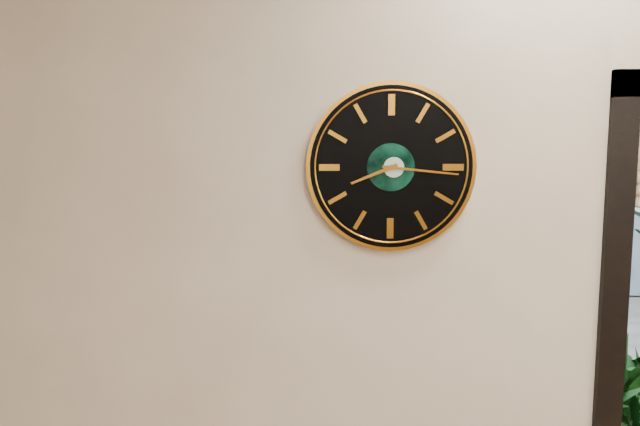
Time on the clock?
8:16
